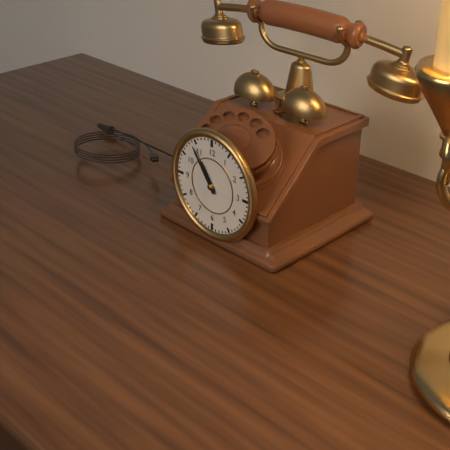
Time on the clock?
10:54
